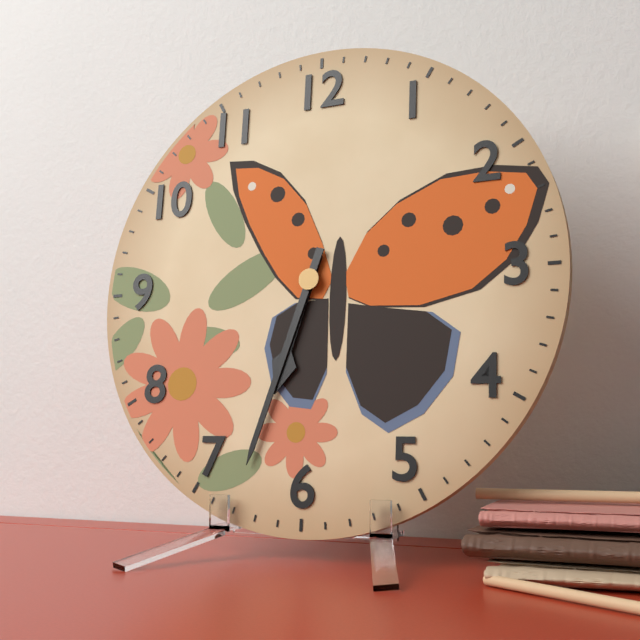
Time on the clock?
6:33
